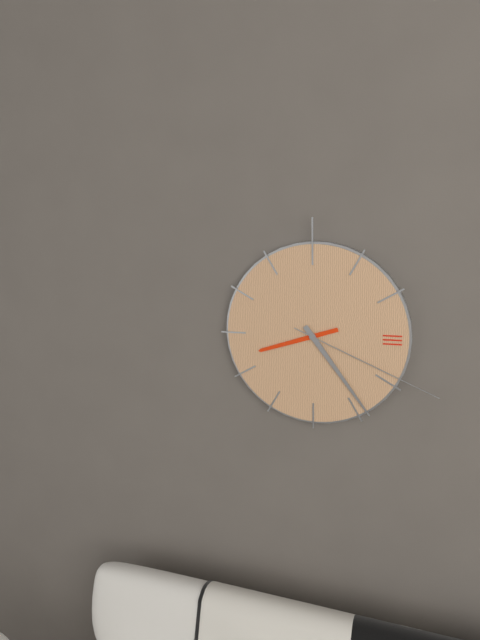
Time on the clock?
8:24:19
